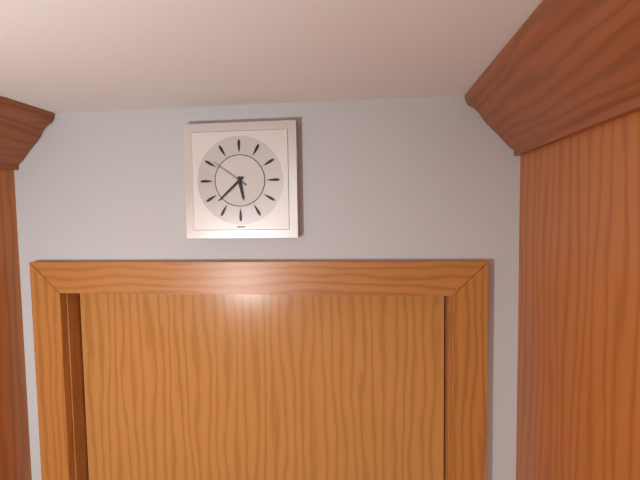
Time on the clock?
5:38
